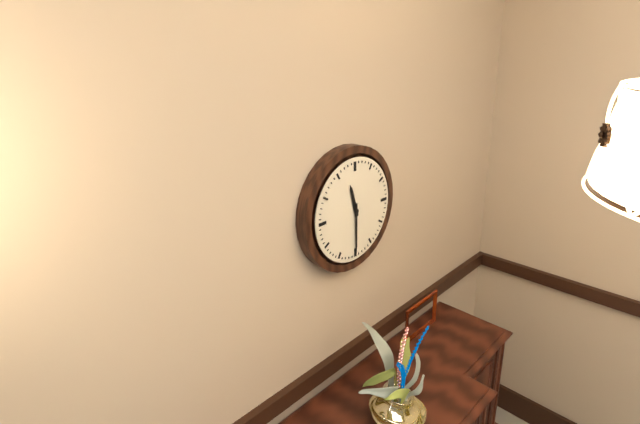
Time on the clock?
11:30
